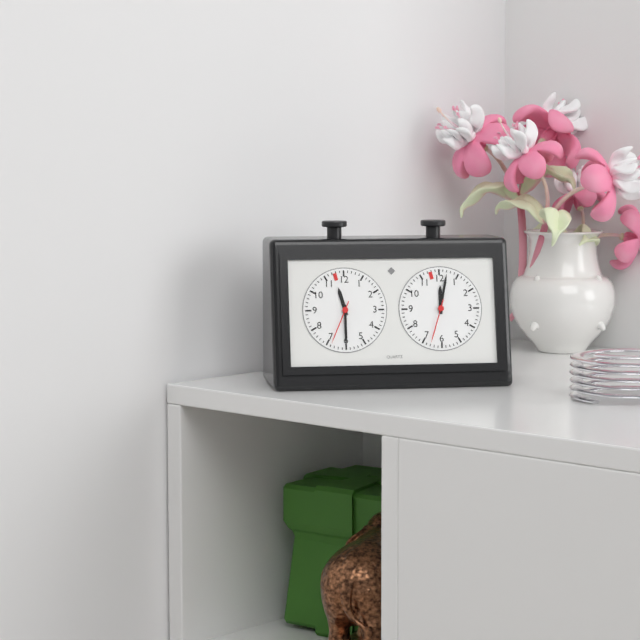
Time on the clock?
11:30
